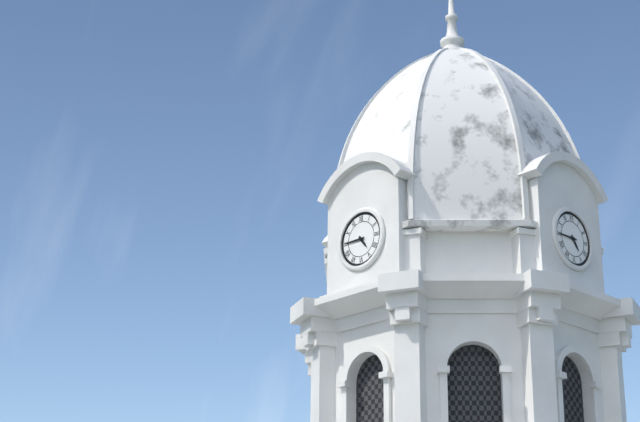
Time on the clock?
4:45
